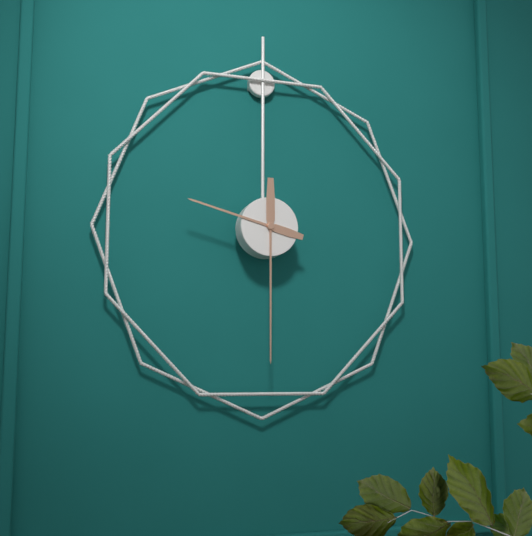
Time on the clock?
9:30
